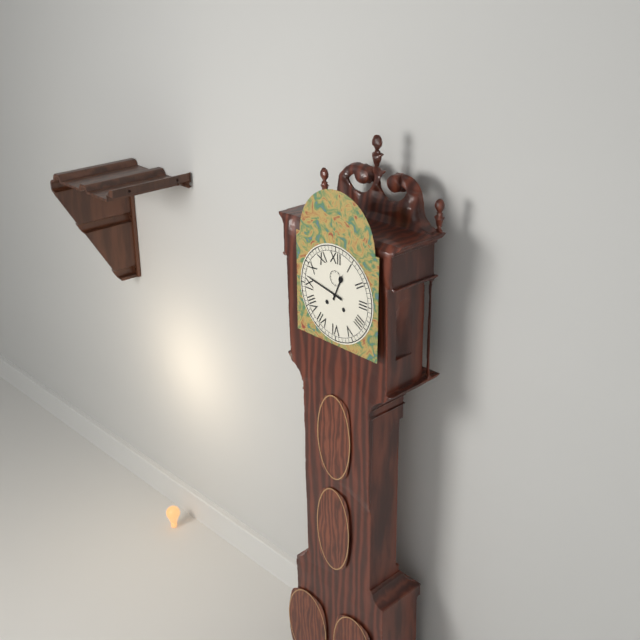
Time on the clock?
12:47
